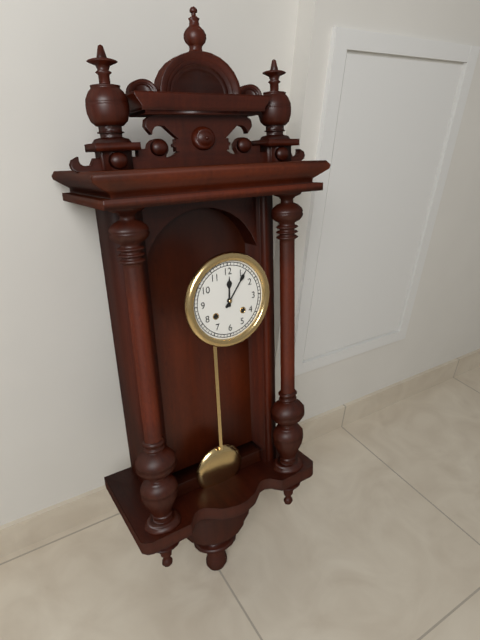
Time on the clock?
12:06
